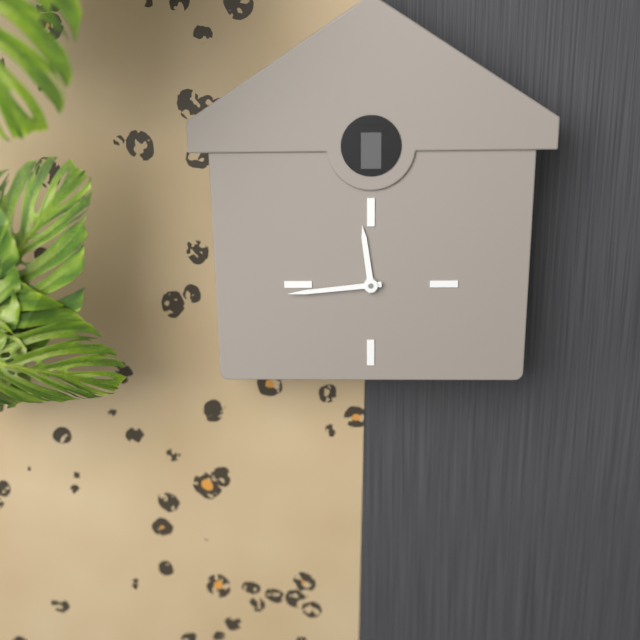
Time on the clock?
11:44
